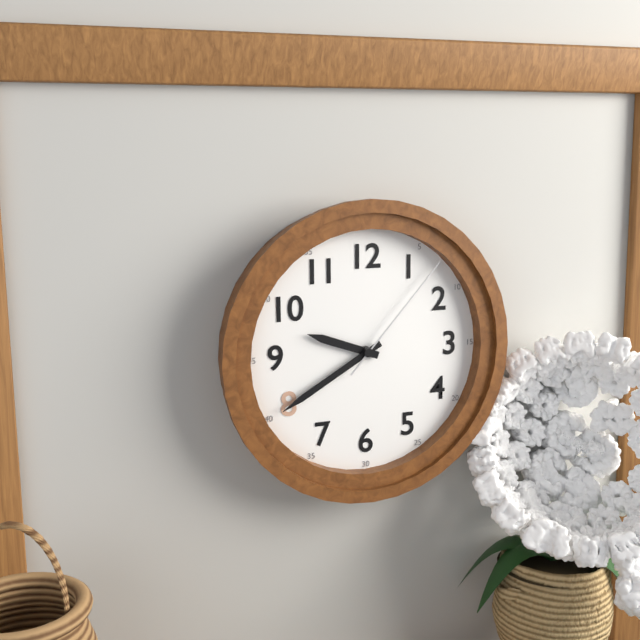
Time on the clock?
9:40:07
